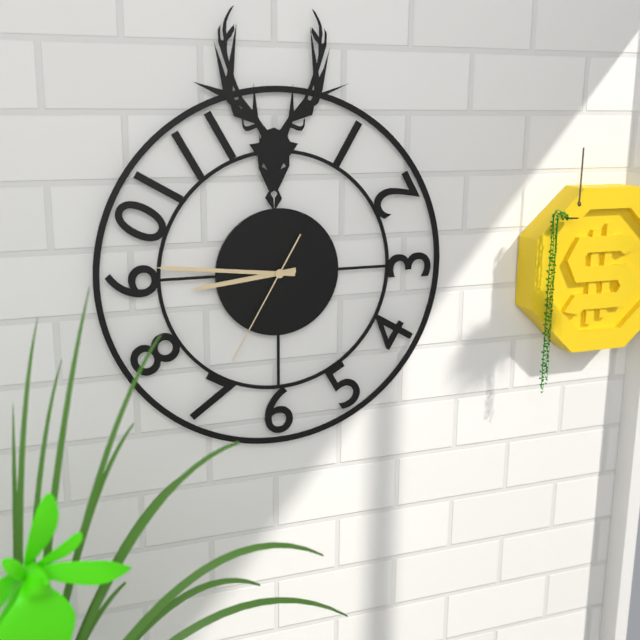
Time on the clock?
8:46:35
